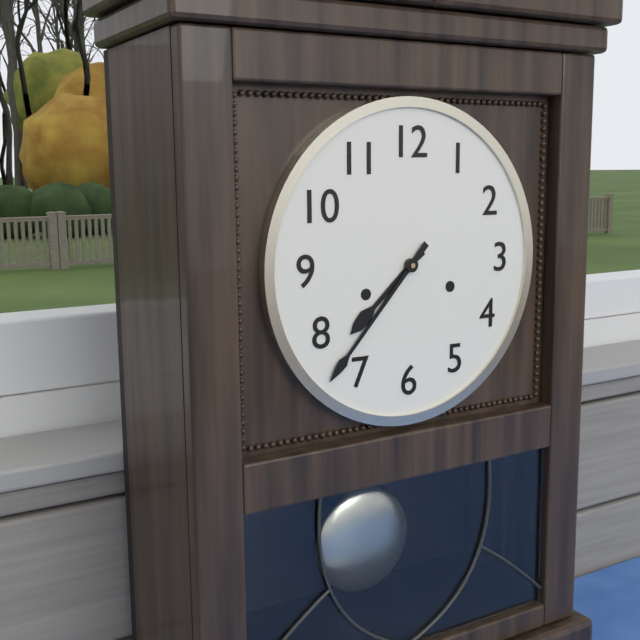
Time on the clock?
7:37
